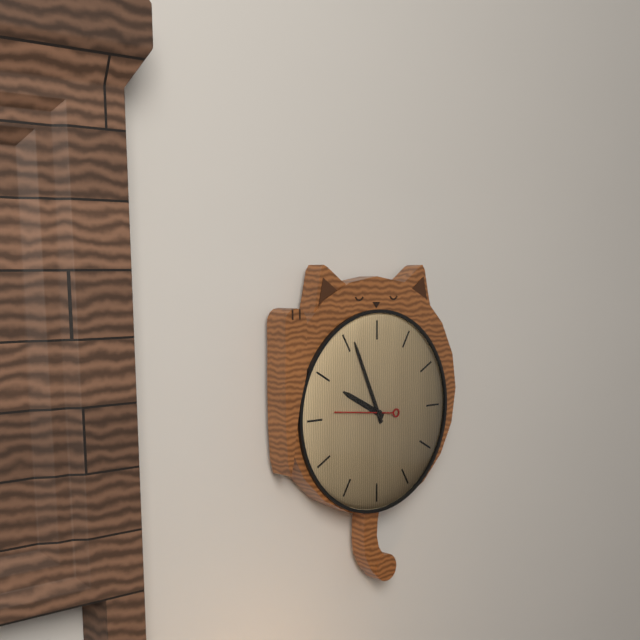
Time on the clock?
9:56:46
